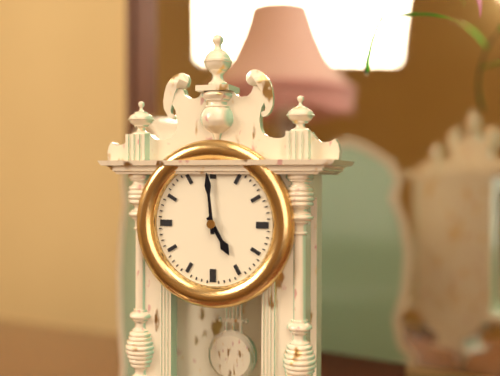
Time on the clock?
4:59
